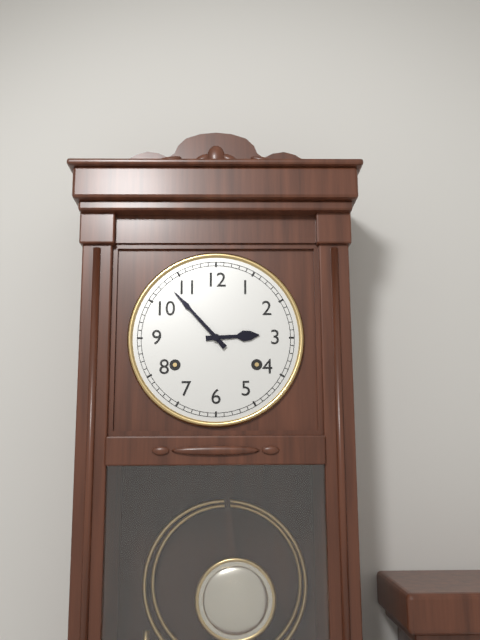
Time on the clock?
2:53
